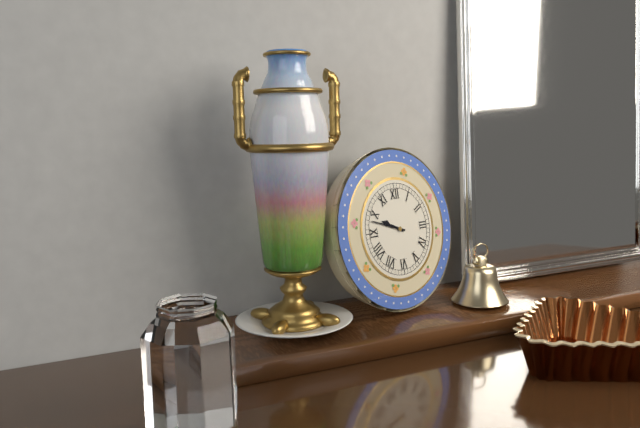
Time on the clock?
9:48
